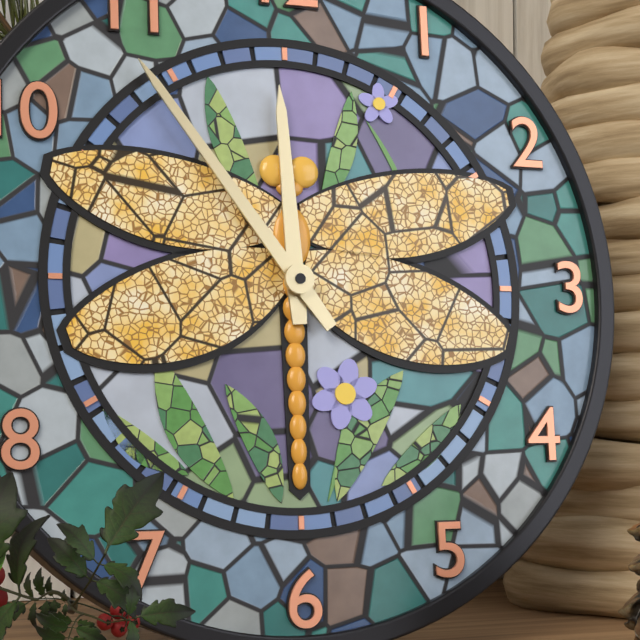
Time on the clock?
11:54
